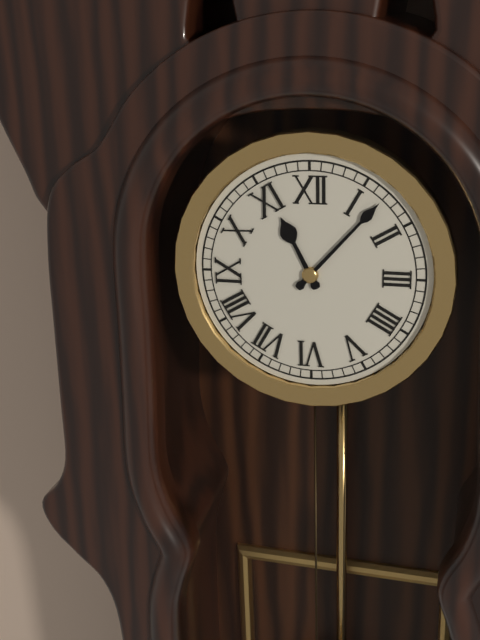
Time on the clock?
11:07
